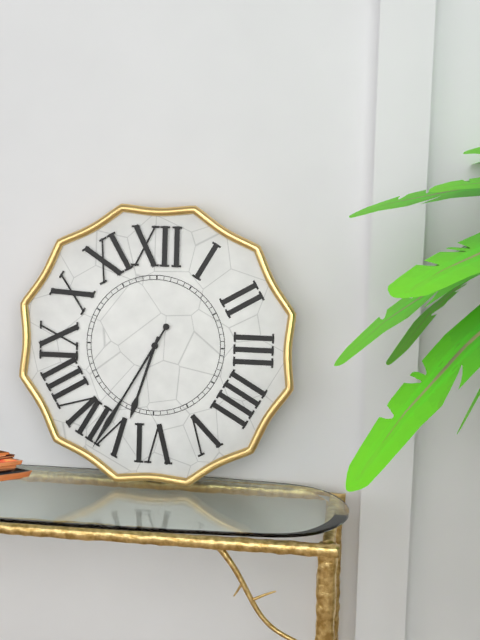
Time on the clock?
6:35
